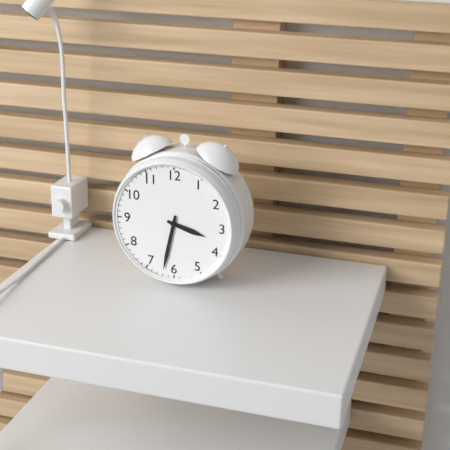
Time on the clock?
3:32
